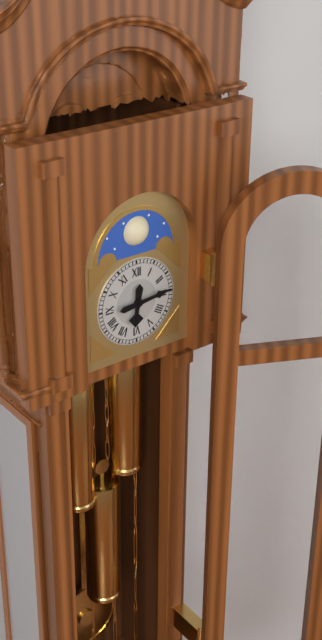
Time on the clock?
6:14
